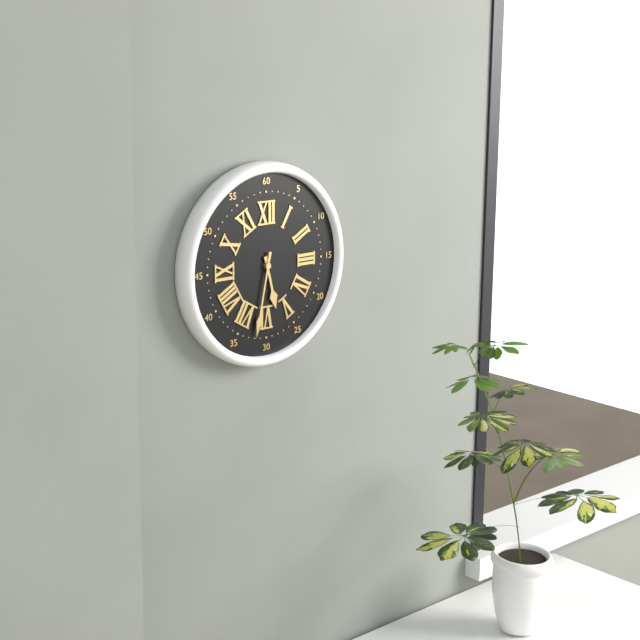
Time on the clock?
5:32
